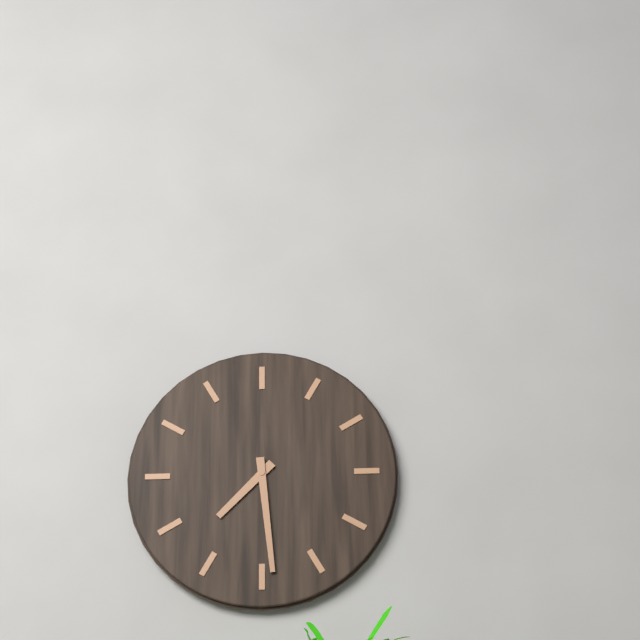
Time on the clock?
7:29
